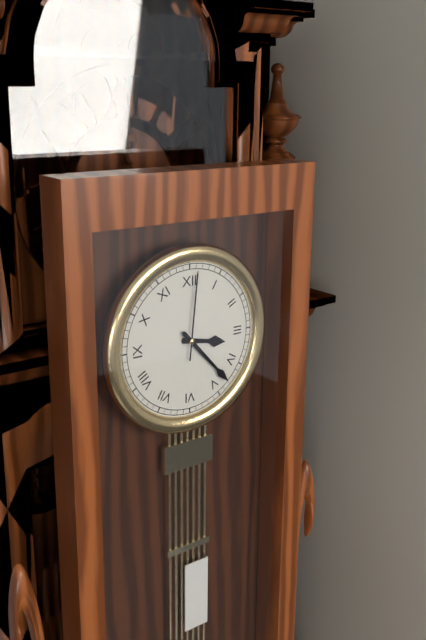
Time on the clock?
3:23:01
